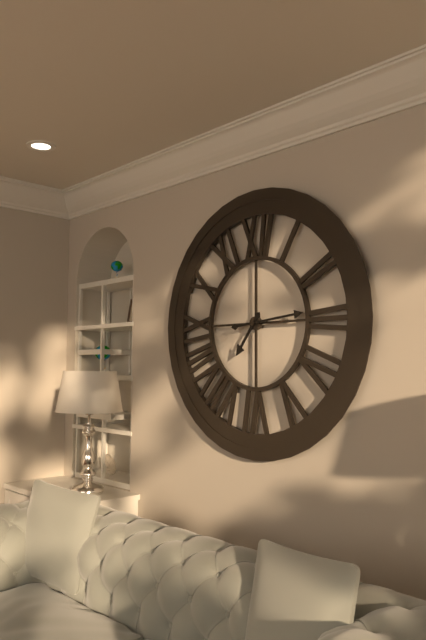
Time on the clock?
7:14
